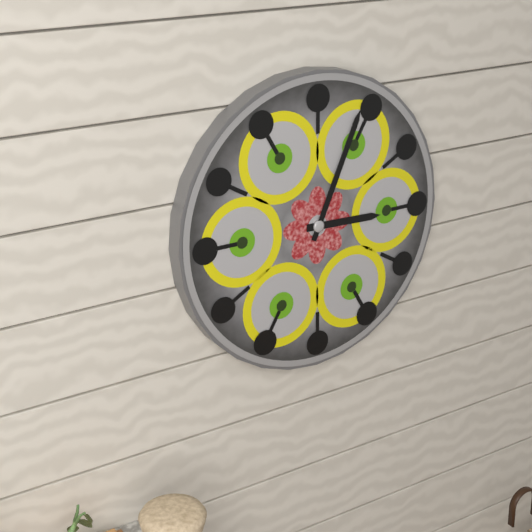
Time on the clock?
3:04
